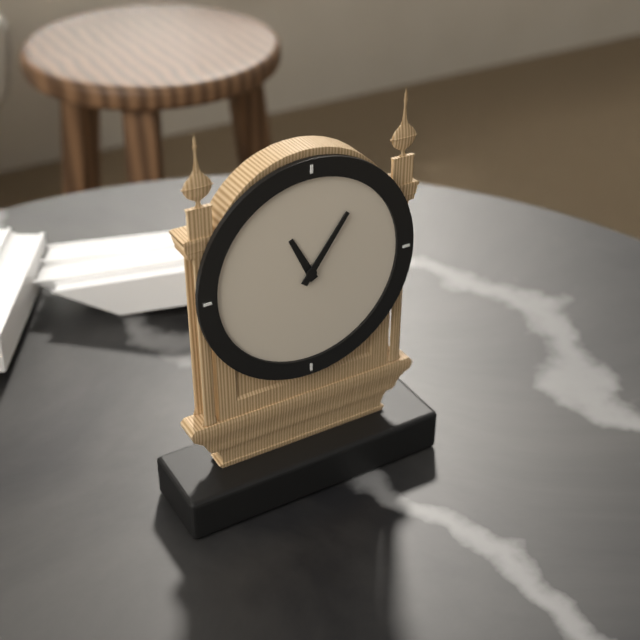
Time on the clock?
11:06
